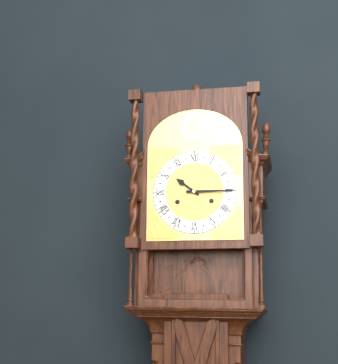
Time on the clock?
10:15
